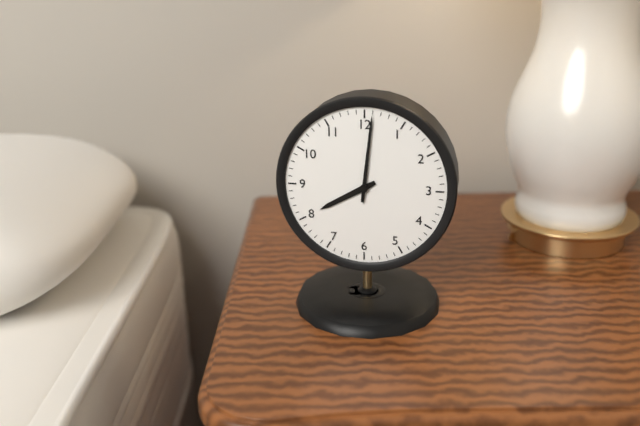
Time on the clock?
8:01
